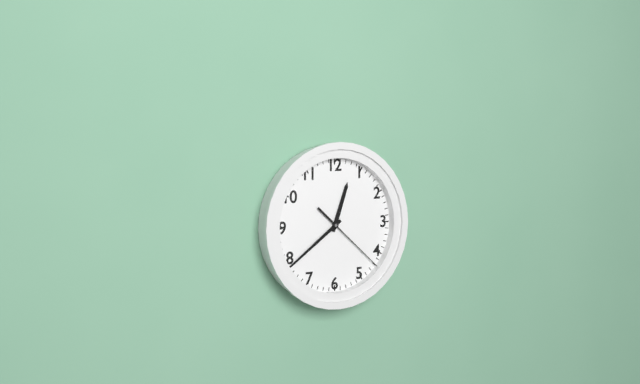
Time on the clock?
12:39:22
